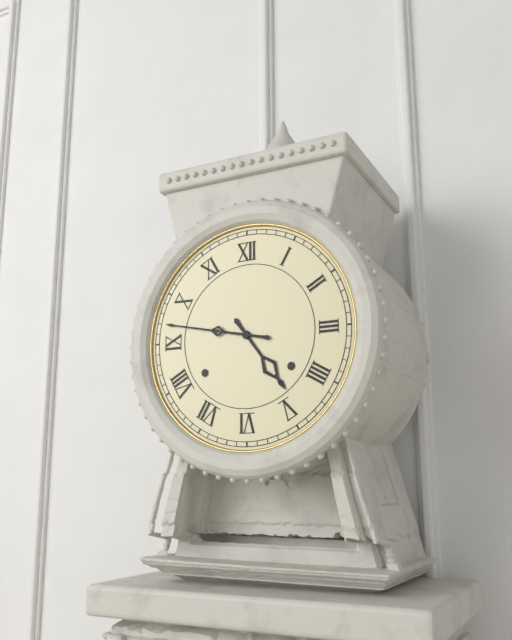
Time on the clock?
4:47
